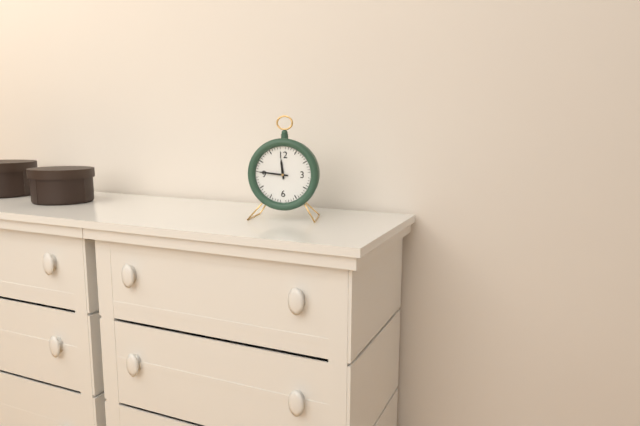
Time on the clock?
11:46
